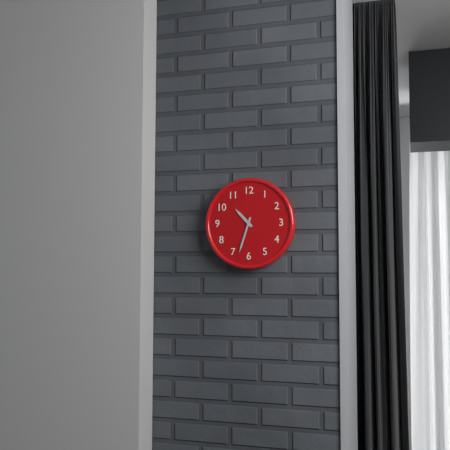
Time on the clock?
10:33
